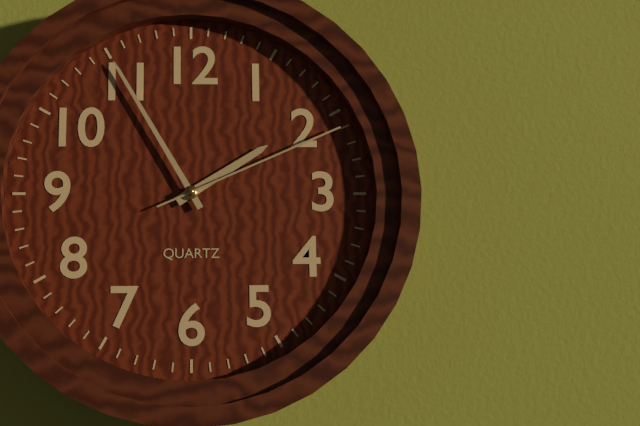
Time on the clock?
1:55:11
